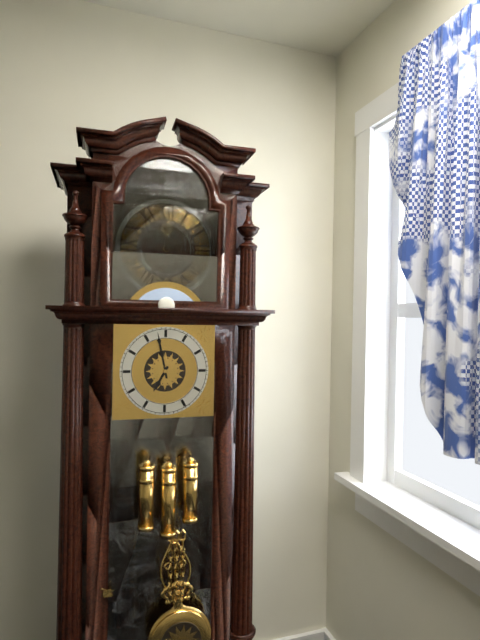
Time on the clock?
6:58
